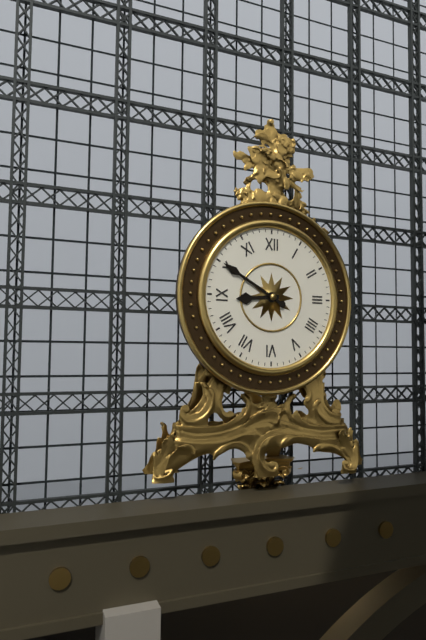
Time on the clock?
8:50
